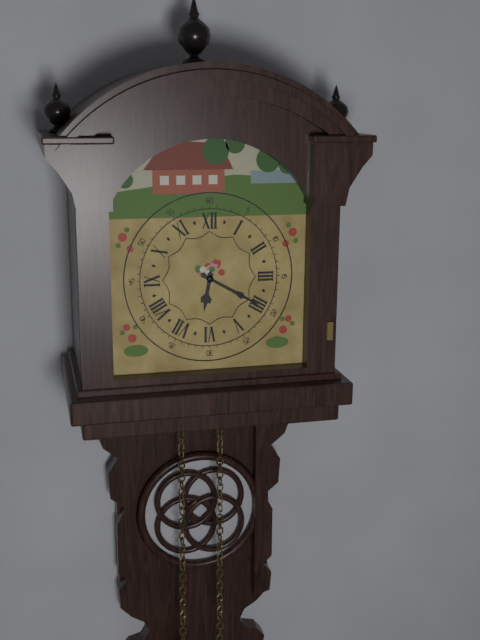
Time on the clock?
6:20
